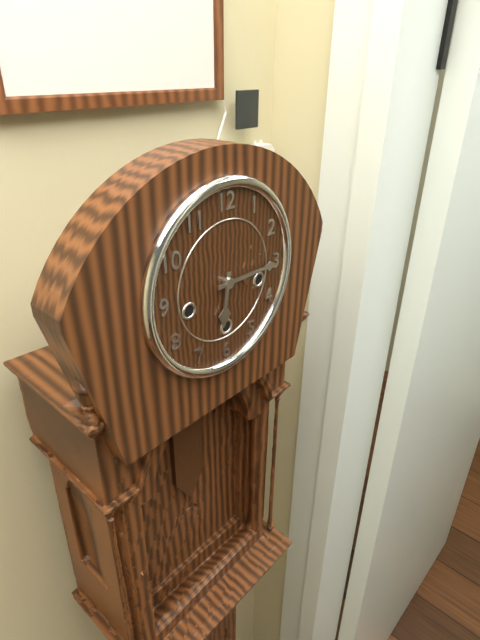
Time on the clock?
6:15
